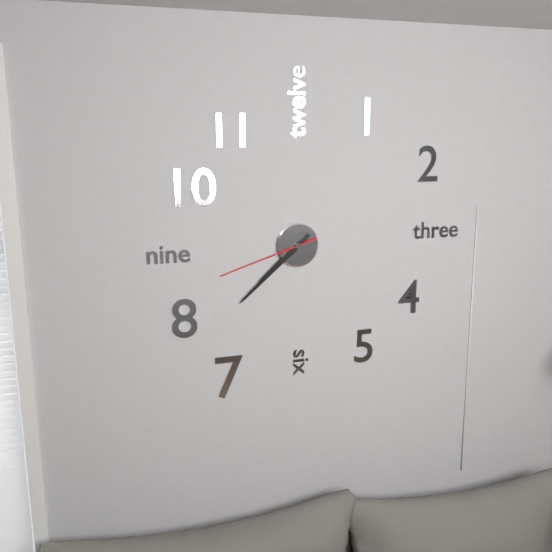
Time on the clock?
7:38:42
